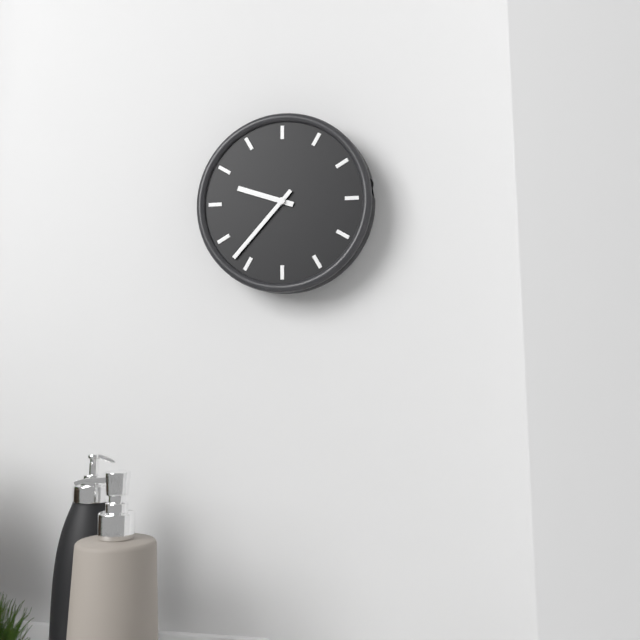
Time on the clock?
9:37
